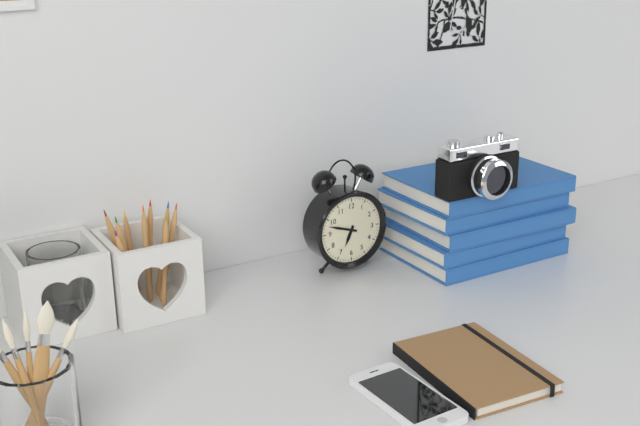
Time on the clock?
6:48
